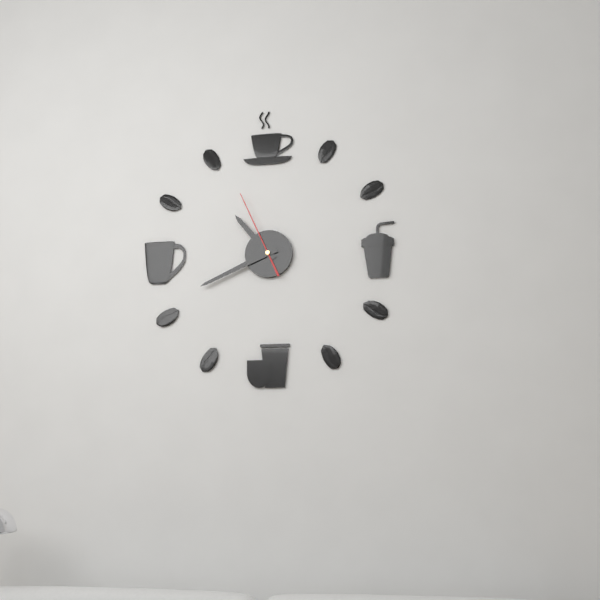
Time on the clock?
10:41:56
